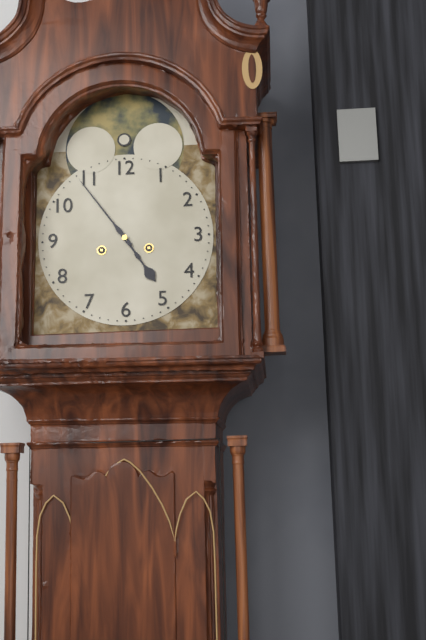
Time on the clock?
4:54
